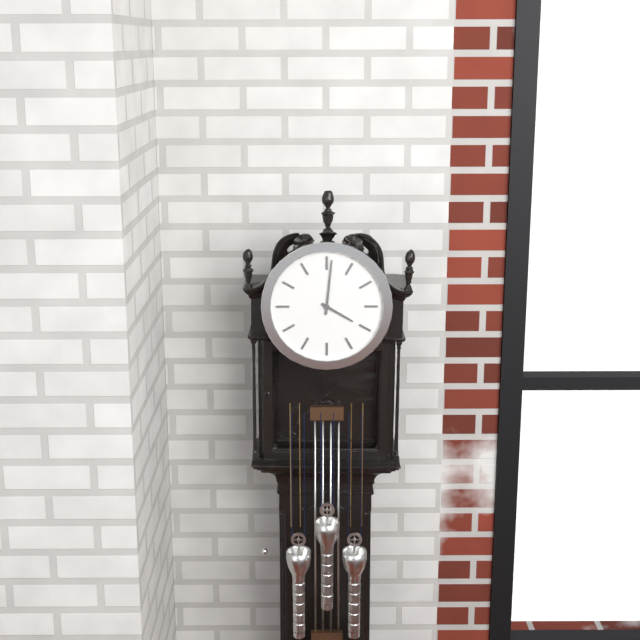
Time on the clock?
4:01
